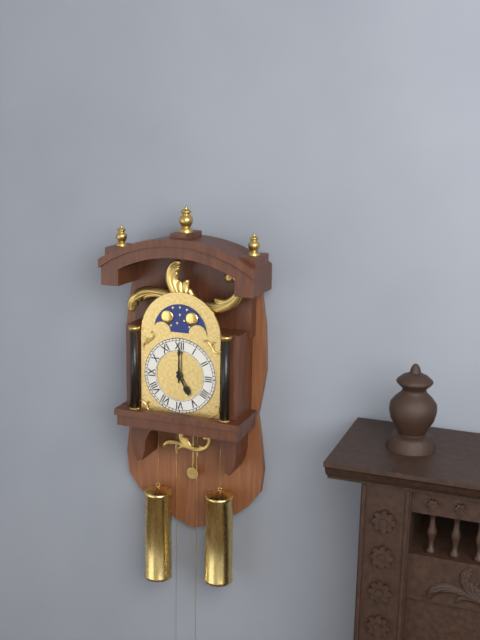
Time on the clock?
5:00
